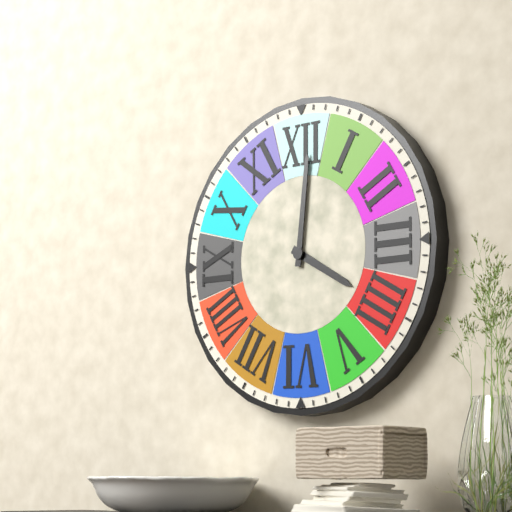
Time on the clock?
4:01
